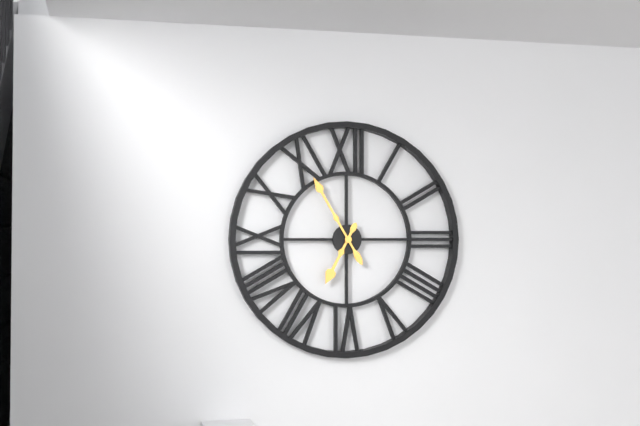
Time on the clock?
6:55
